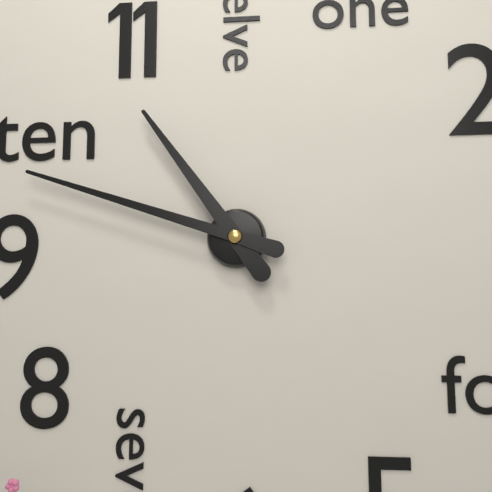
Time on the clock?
10:48
